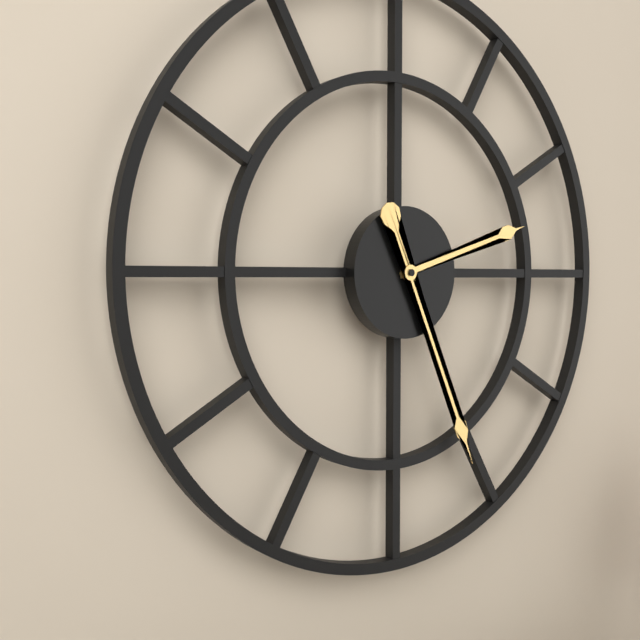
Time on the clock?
2:26
